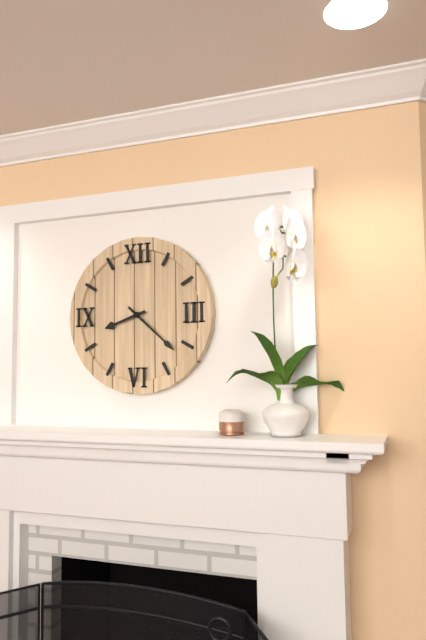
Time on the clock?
8:22
